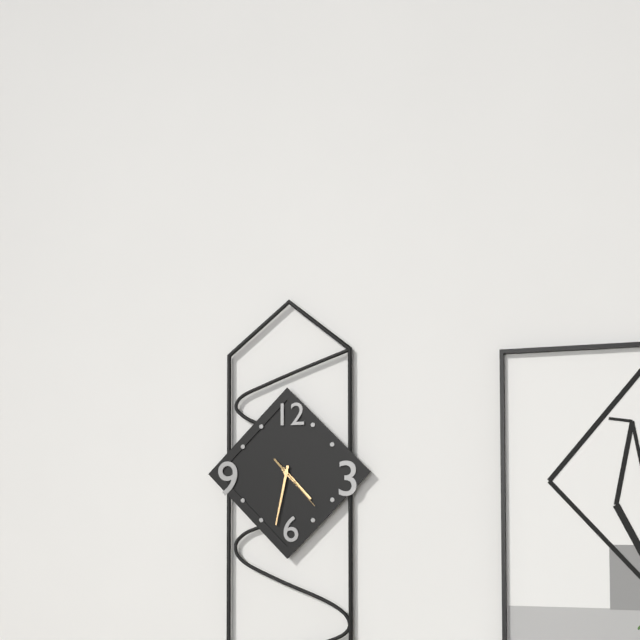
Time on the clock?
4:32:23
